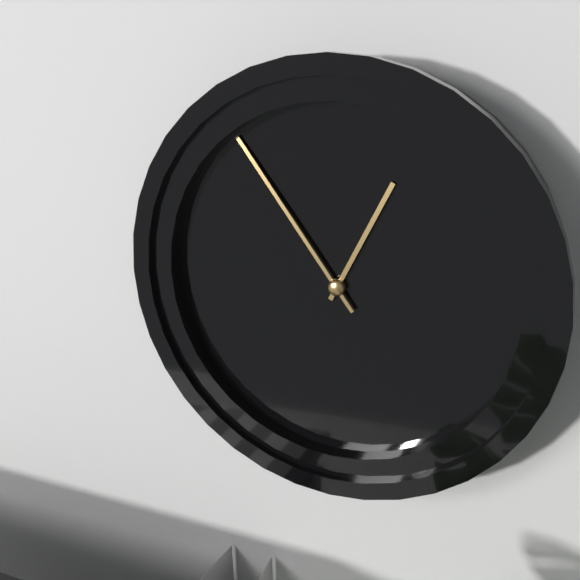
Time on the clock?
12:54
